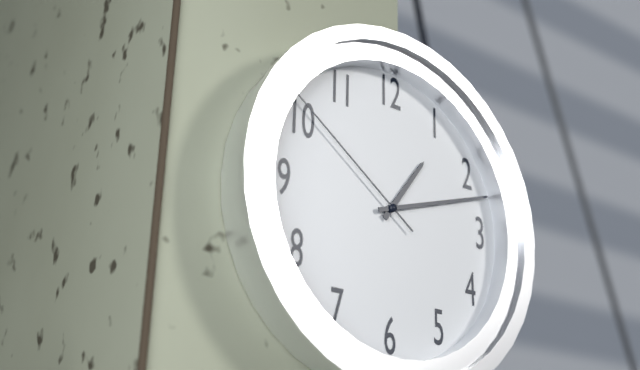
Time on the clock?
1:12:51
